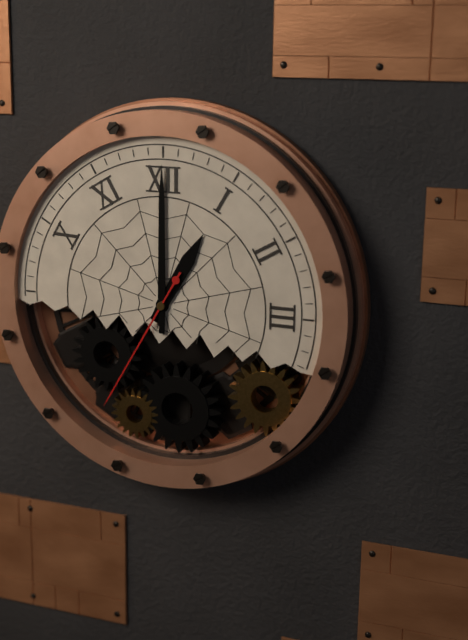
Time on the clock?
1:00:35
